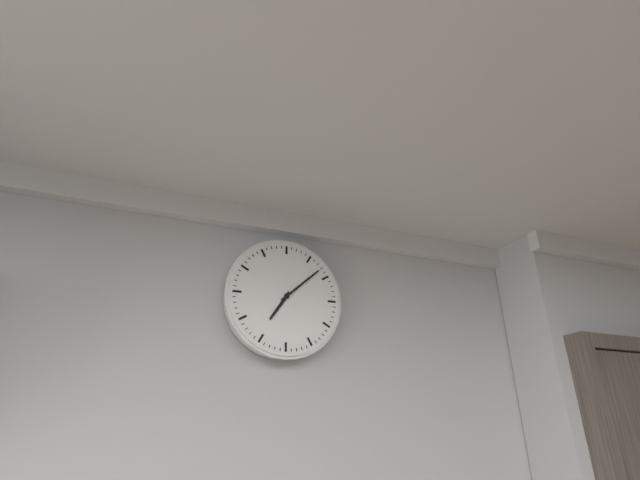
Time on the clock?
7:08
